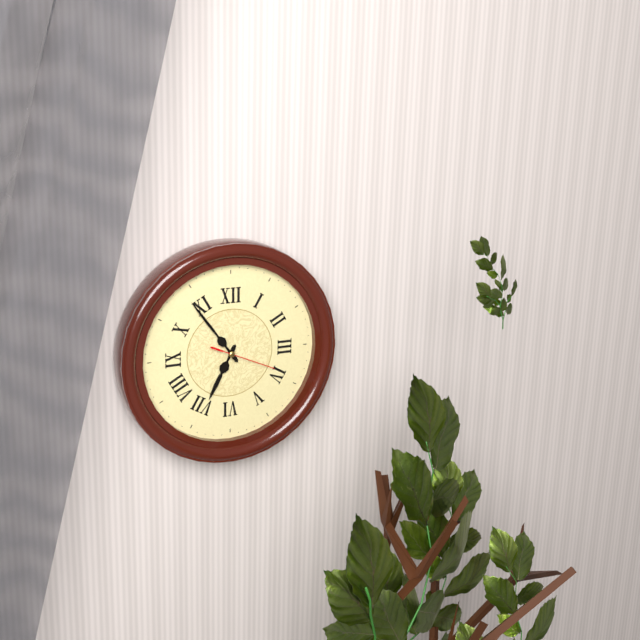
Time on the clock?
6:54:19
